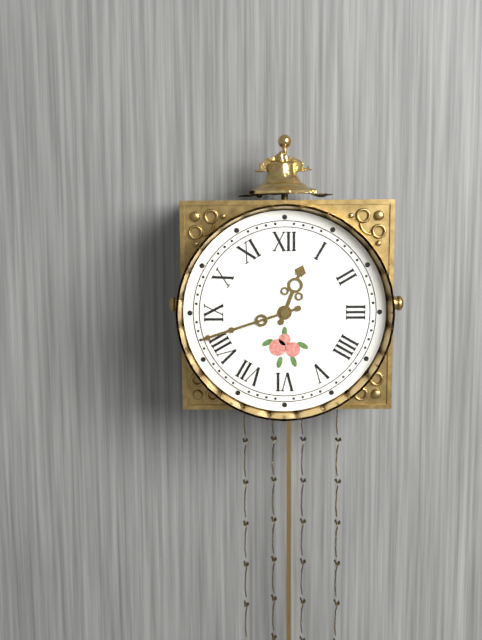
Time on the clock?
12:42
